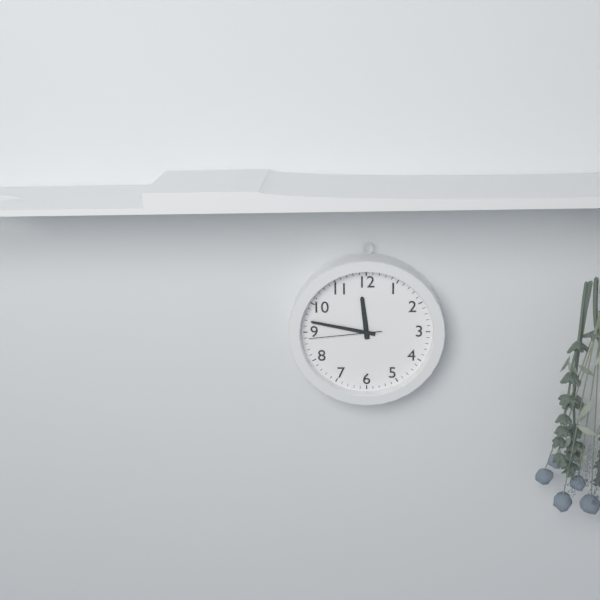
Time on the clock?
11:47:44
